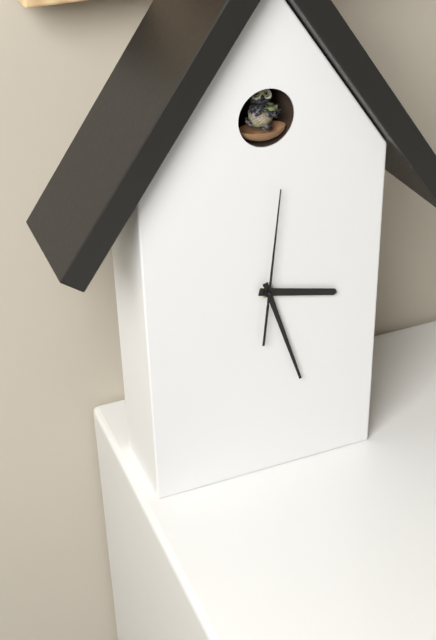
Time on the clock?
3:27:01
